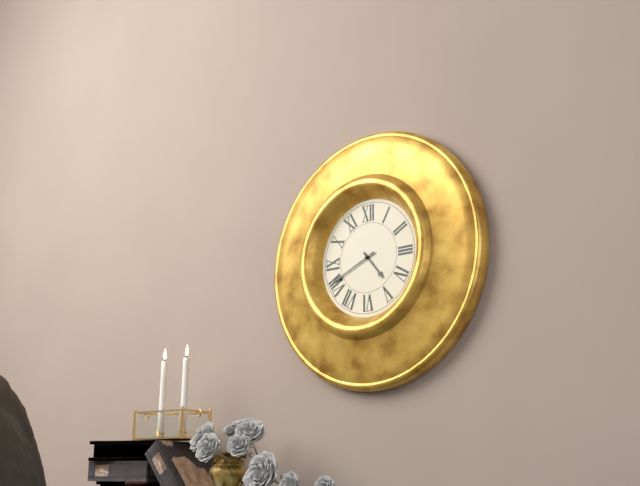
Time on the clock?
4:41
